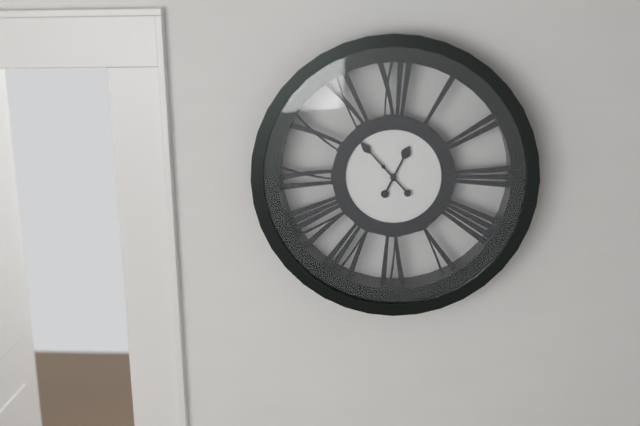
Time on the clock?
12:53
